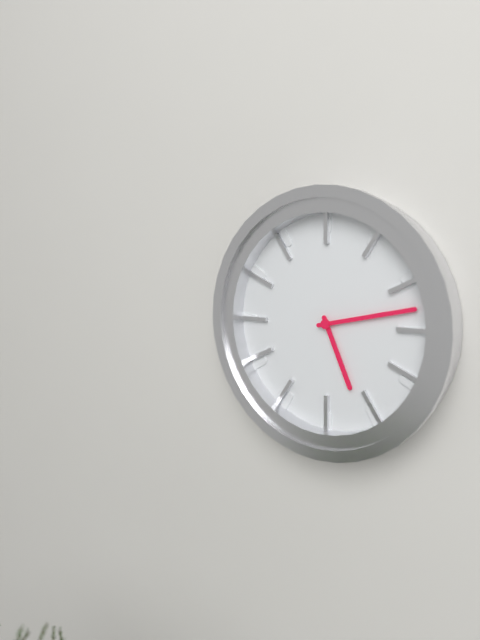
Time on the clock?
5:13
